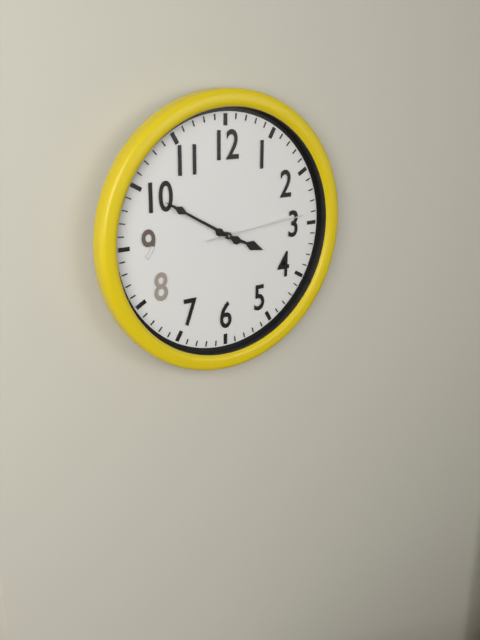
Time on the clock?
3:50:14
